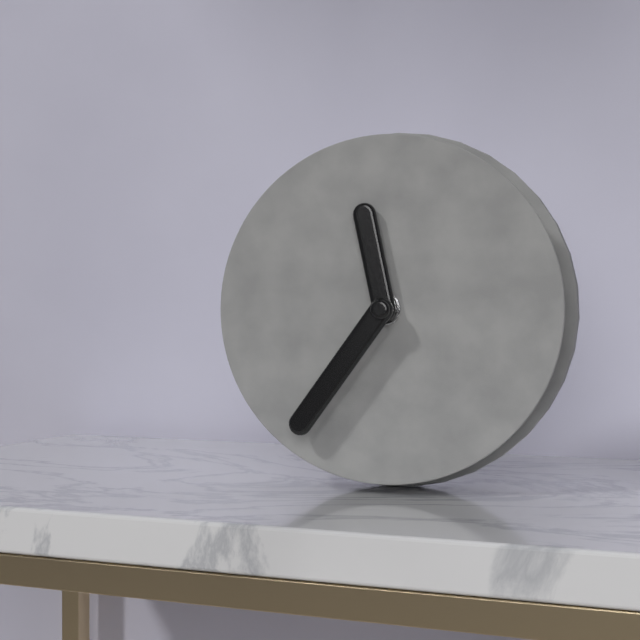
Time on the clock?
11:36
